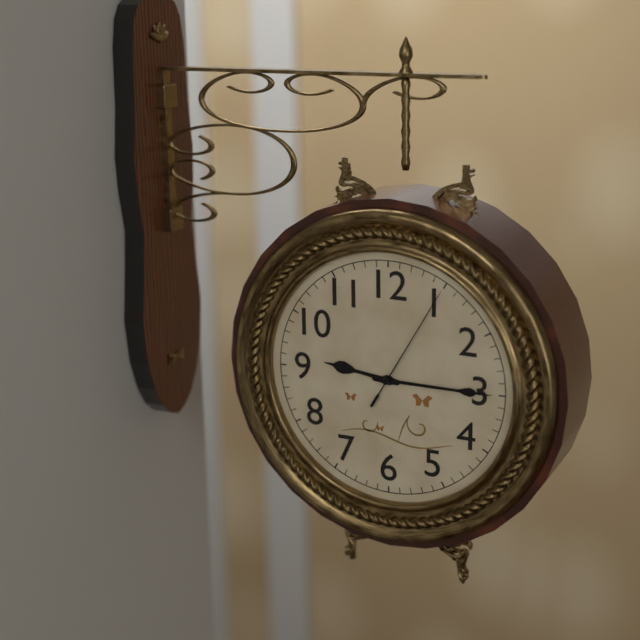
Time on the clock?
9:15:05
